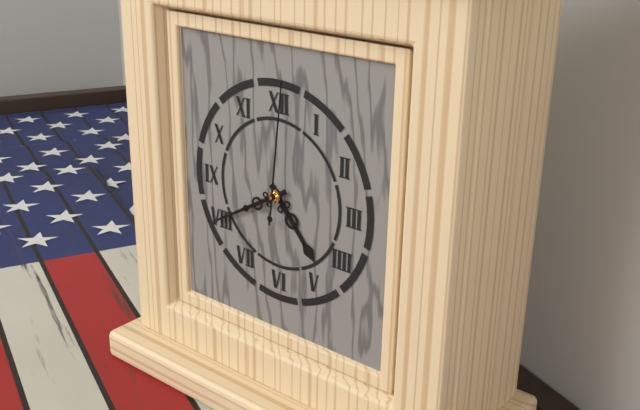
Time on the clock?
4:40:01
